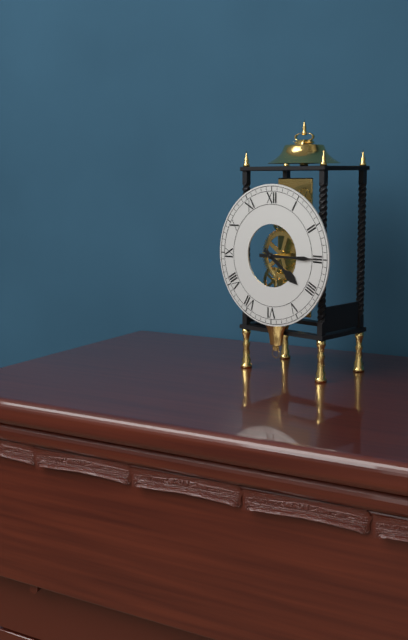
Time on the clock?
4:15
